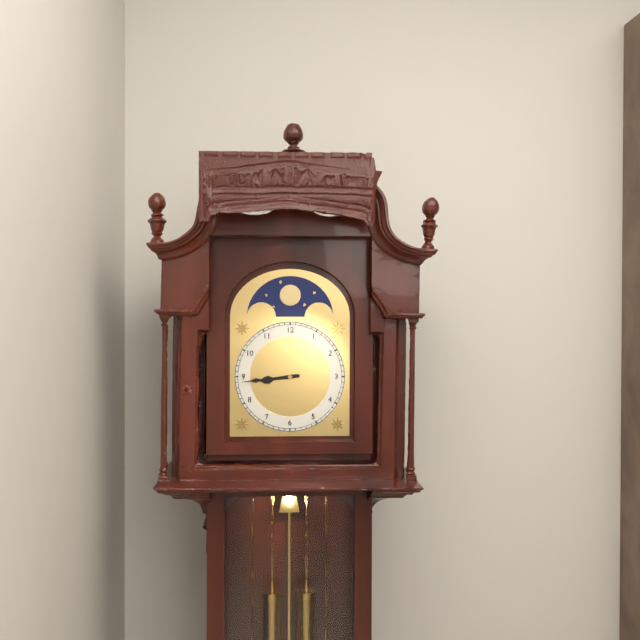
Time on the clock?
8:44
